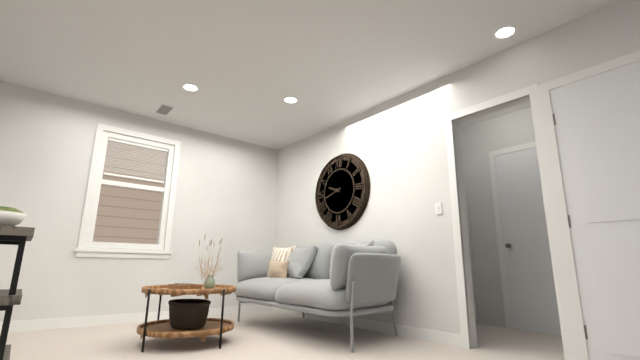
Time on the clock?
9:42
